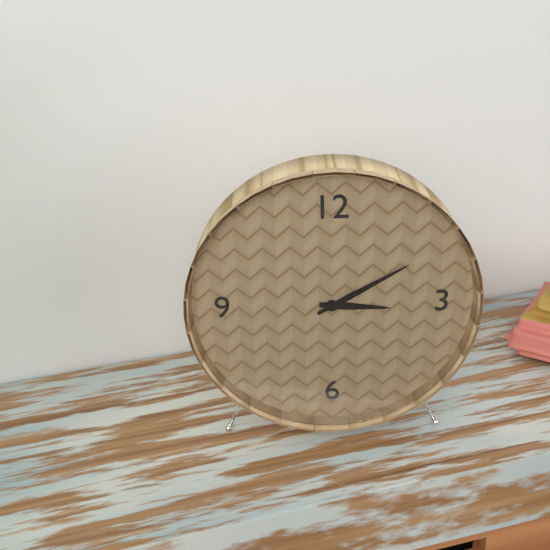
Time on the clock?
3:10
